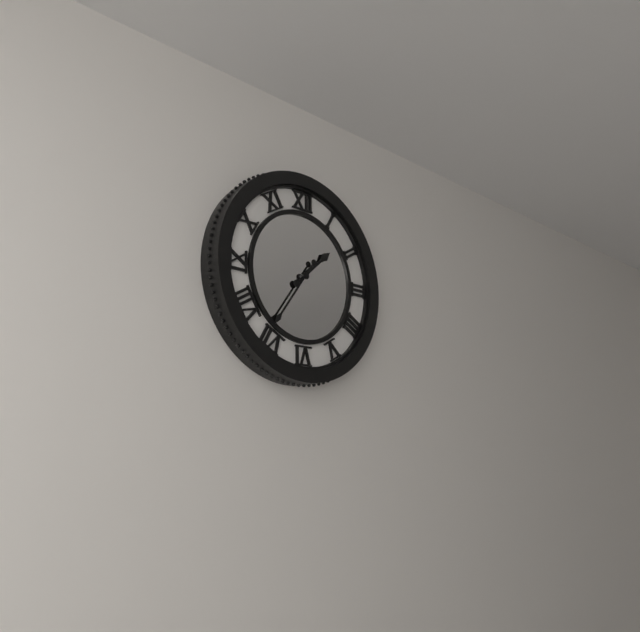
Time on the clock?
1:36
